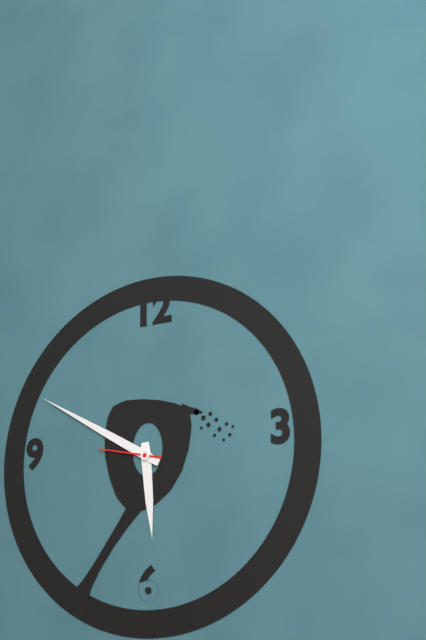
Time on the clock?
5:50:47
